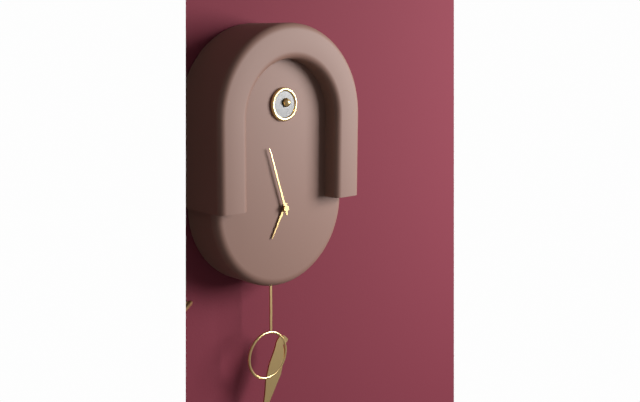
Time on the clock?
6:57
